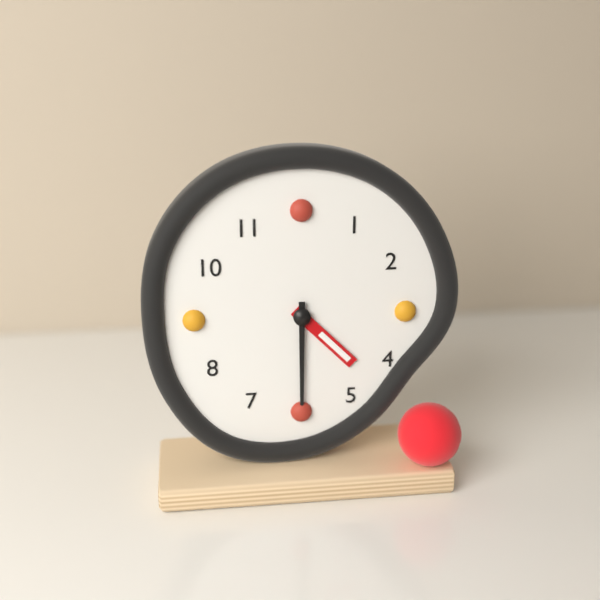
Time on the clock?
4:30
